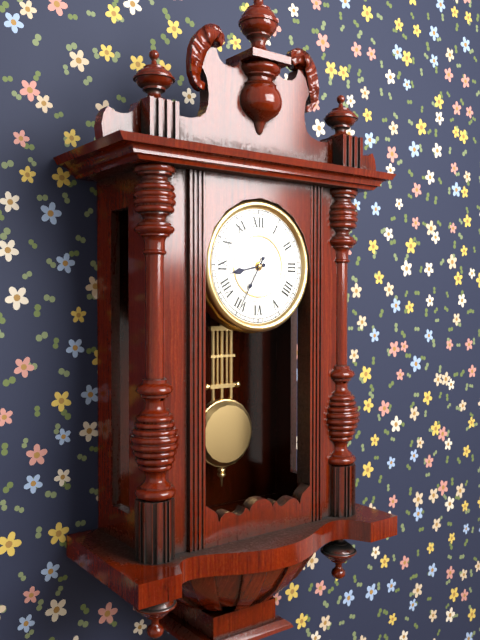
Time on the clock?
8:35
